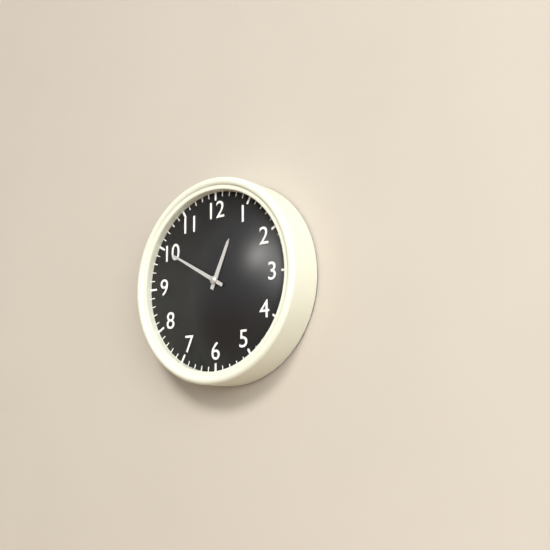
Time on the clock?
12:50
